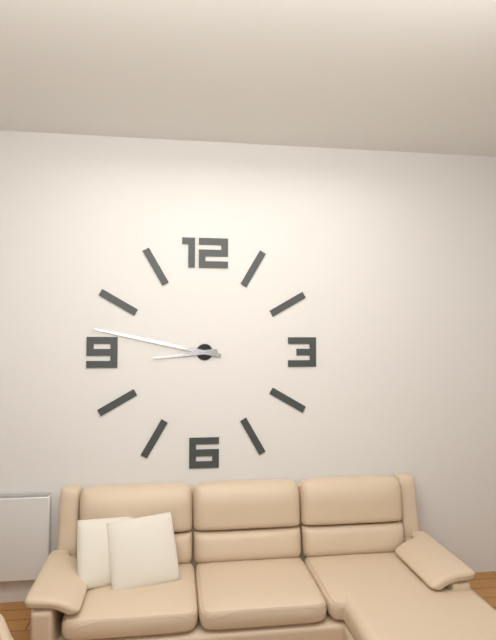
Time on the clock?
8:47
